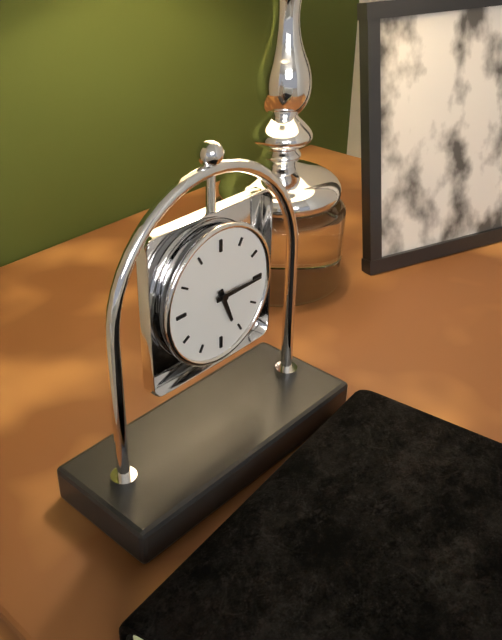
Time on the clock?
5:15
